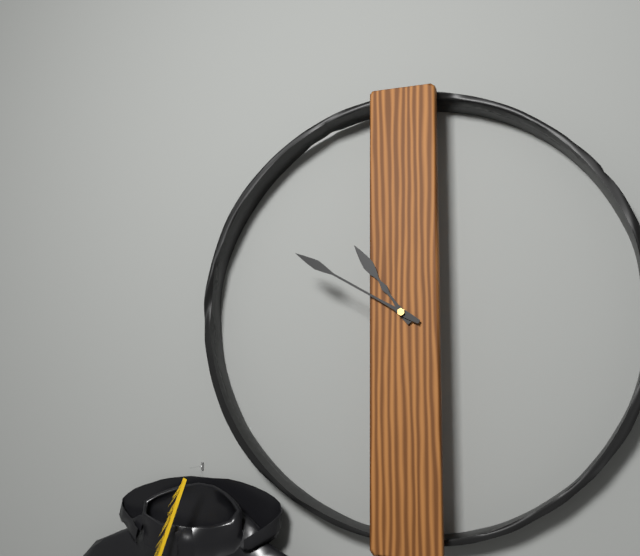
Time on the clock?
10:50
